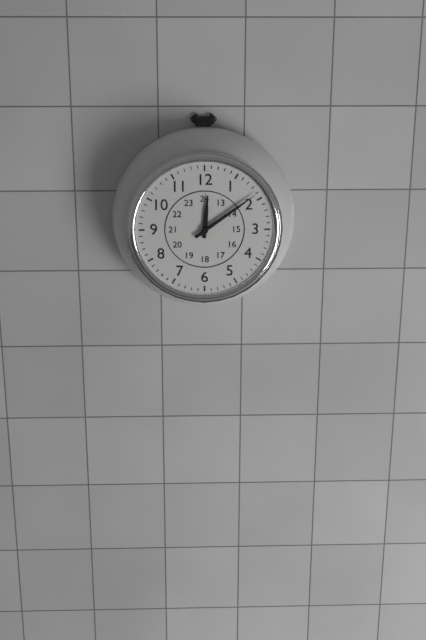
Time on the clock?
12:09
